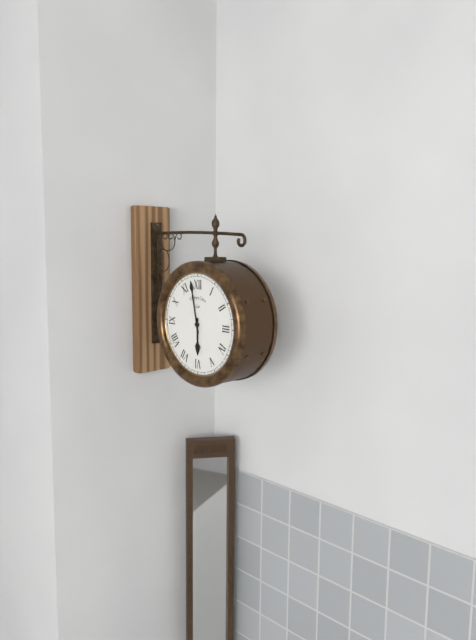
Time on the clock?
5:58
